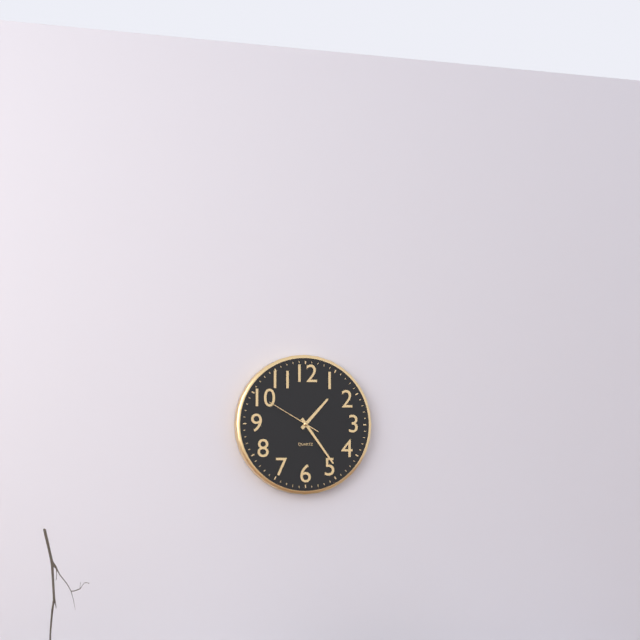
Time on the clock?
1:24:50
